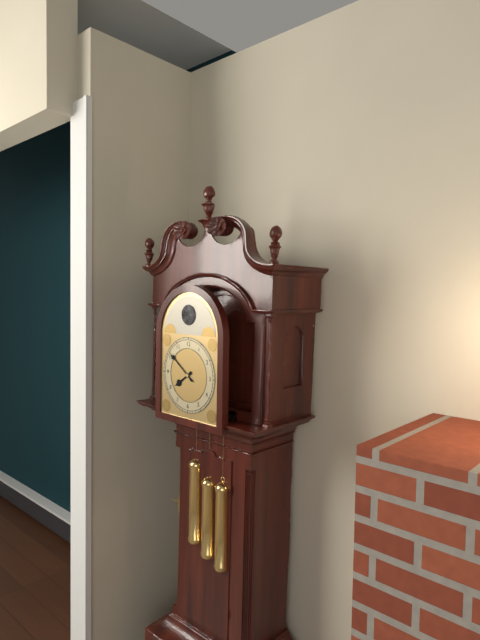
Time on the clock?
7:51
